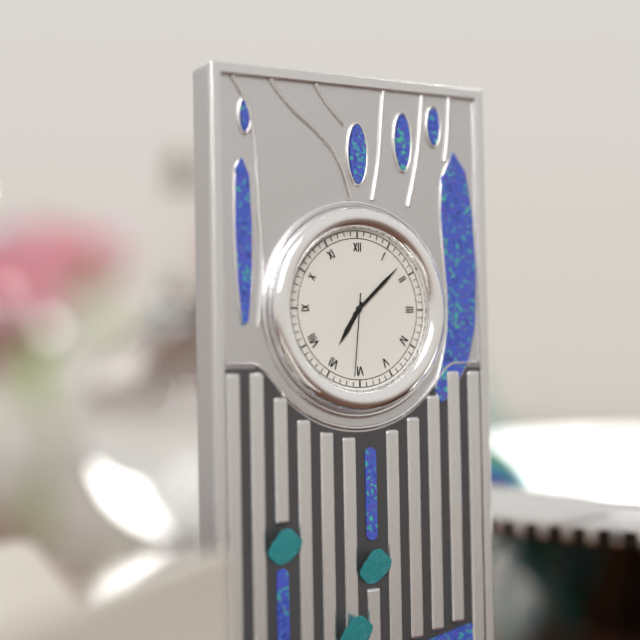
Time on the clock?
7:08:31
